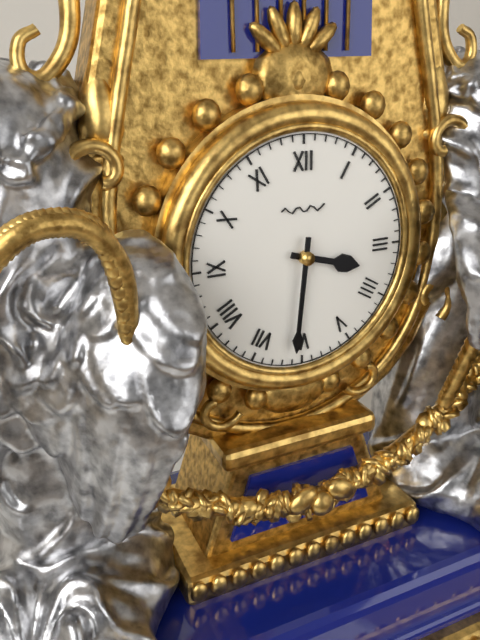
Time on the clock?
3:31
